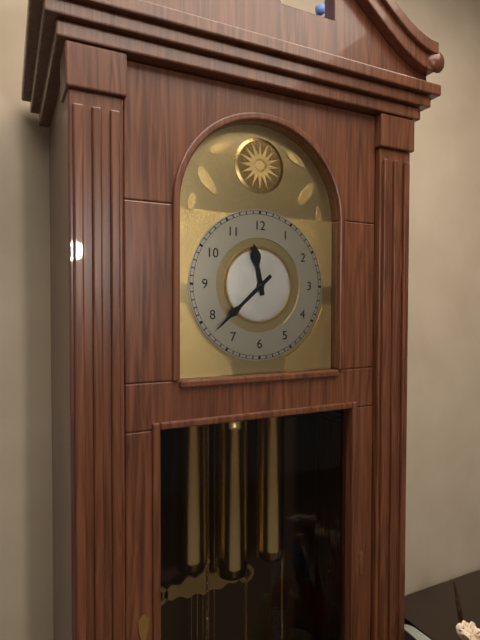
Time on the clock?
11:38
